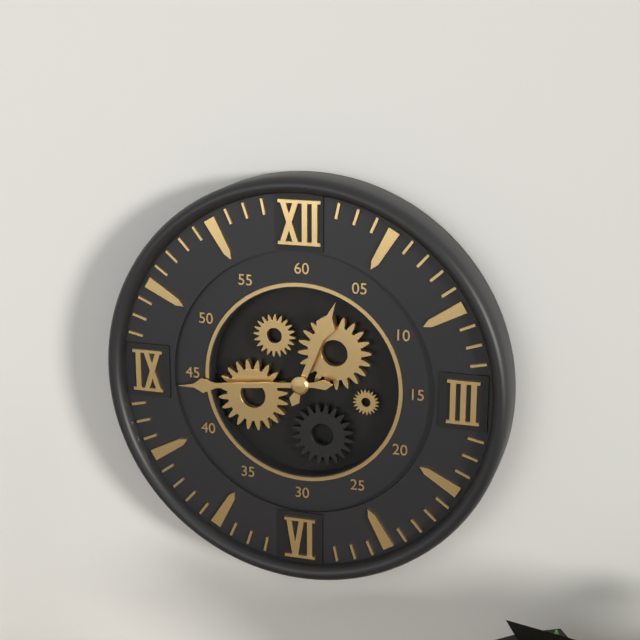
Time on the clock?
12:44
